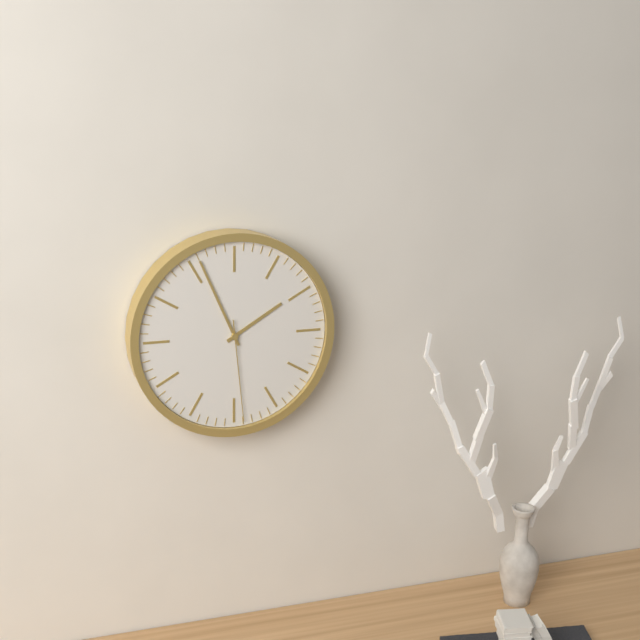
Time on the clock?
1:56:29
